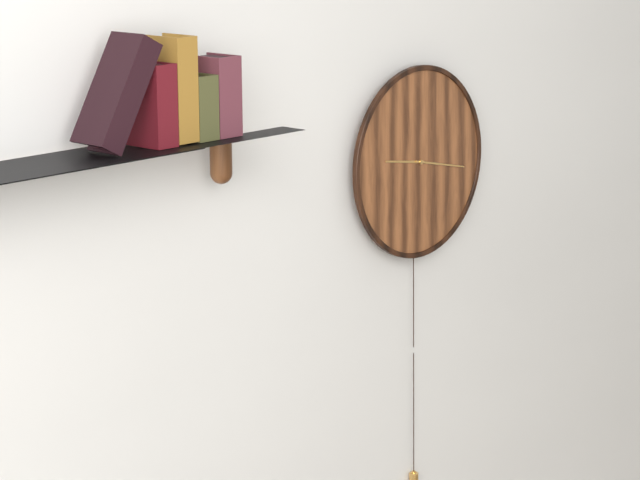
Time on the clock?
9:17
